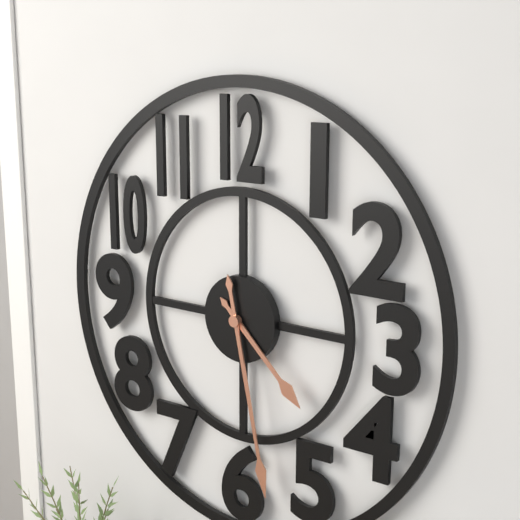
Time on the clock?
4:28
